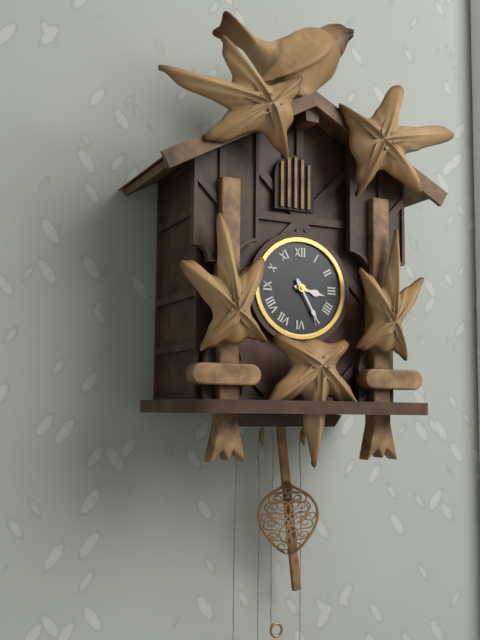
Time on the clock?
3:25
